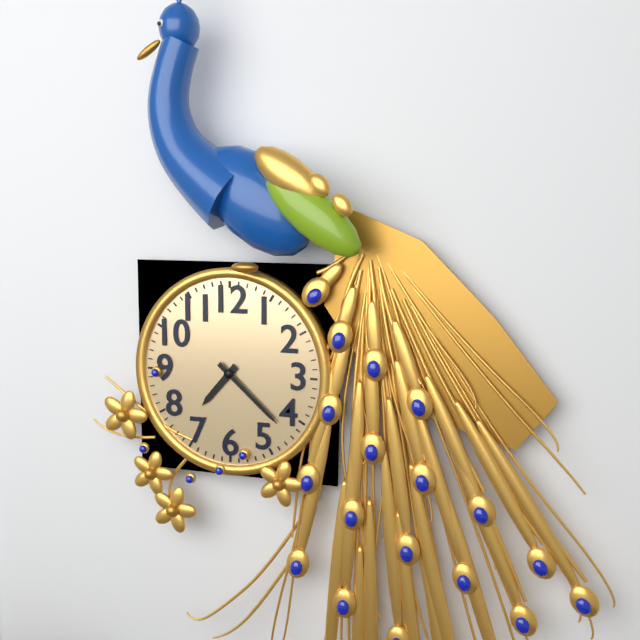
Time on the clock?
7:22
